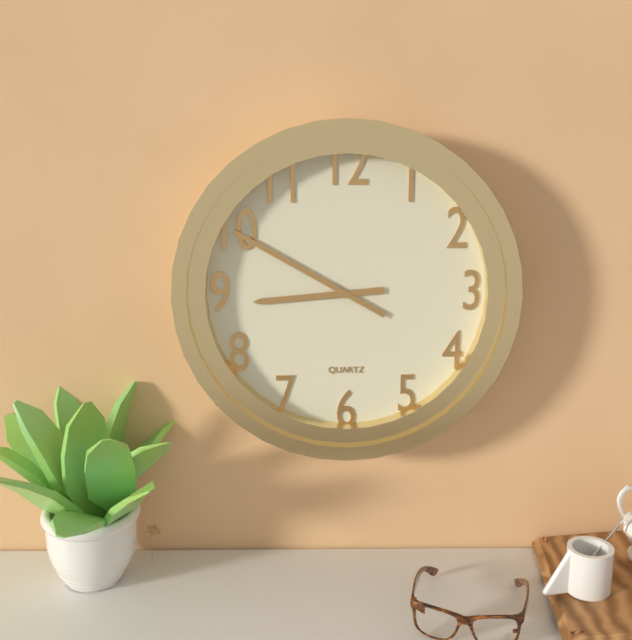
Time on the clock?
8:50
